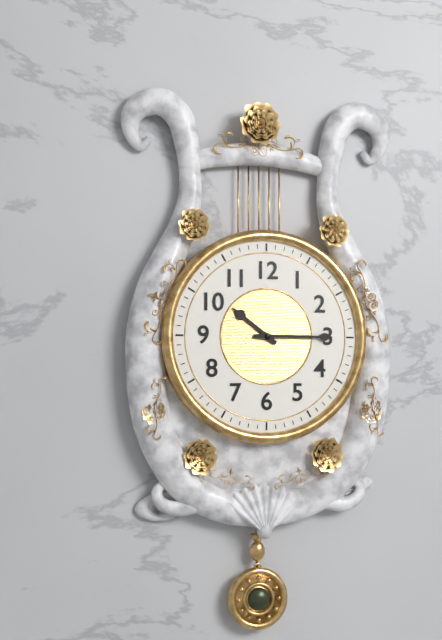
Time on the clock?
10:15
